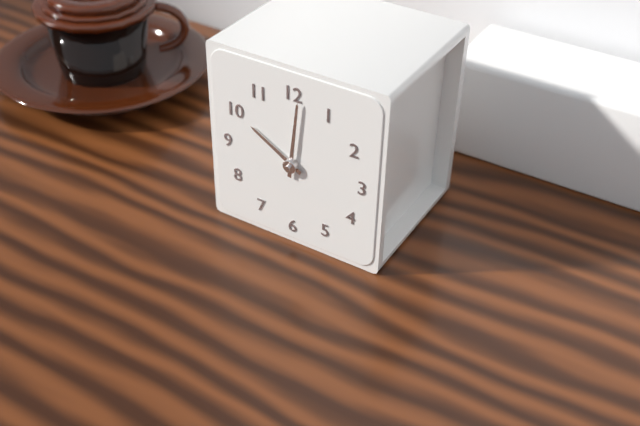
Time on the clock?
10:01
